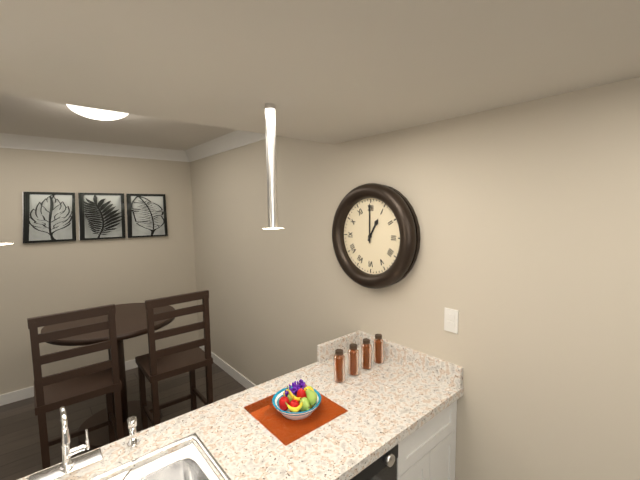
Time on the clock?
1:00
